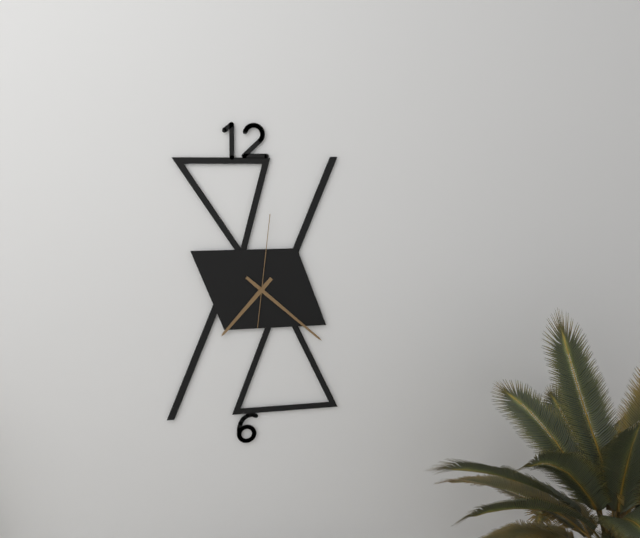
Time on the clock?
7:22:01
